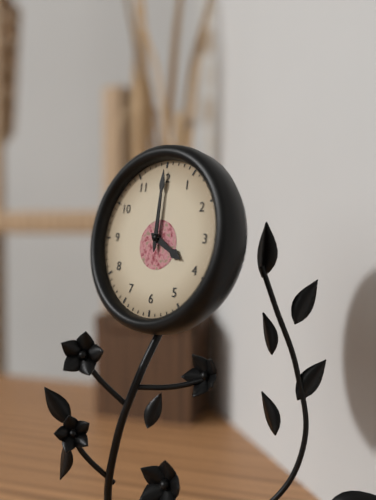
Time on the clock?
4:00
